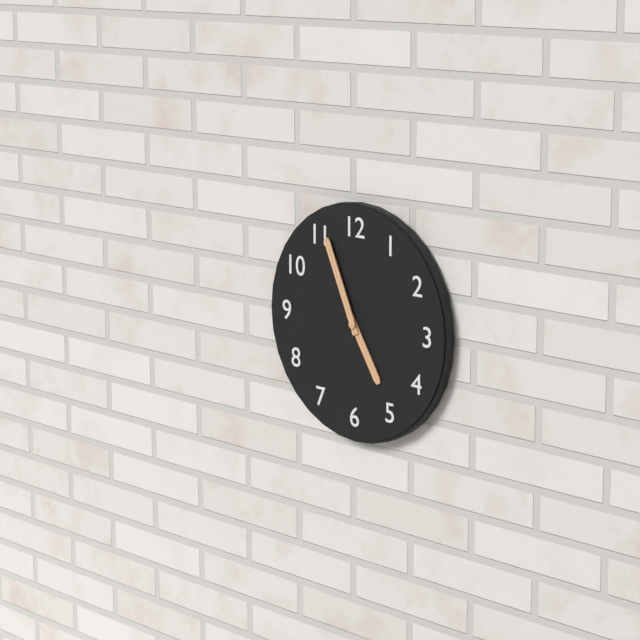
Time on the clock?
4:56
